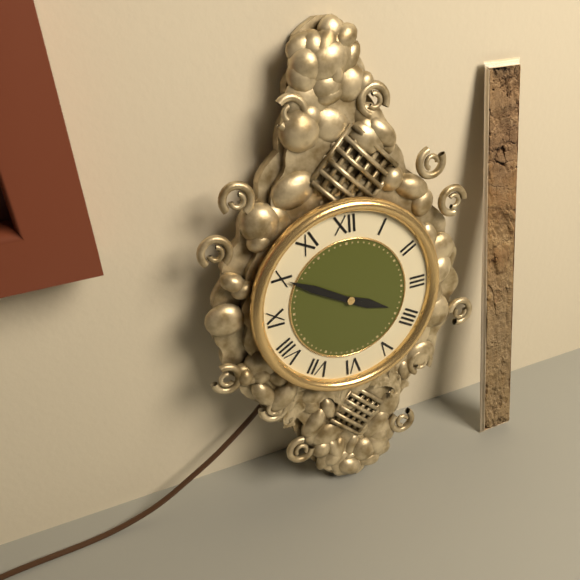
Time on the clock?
3:50
